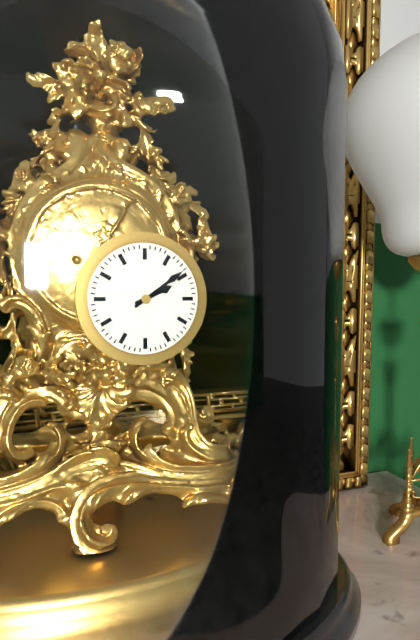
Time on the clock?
2:09
